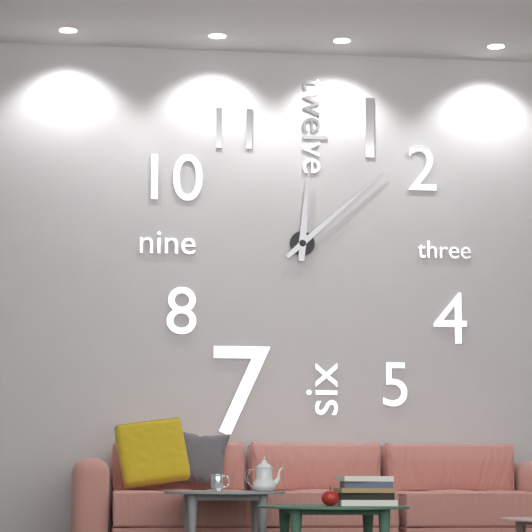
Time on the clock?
12:08
